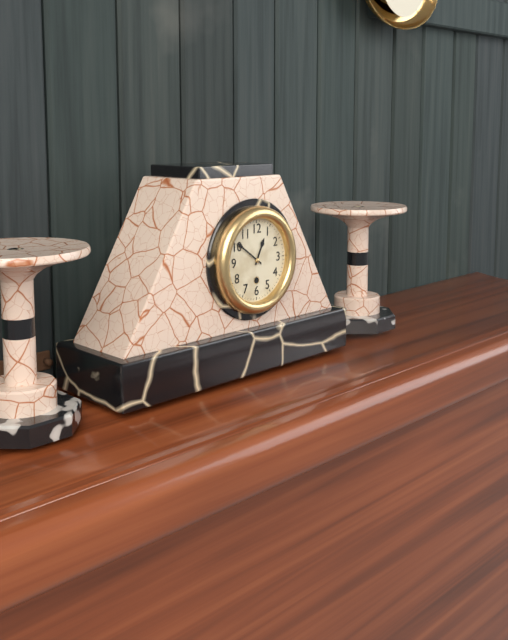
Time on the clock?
12:51
